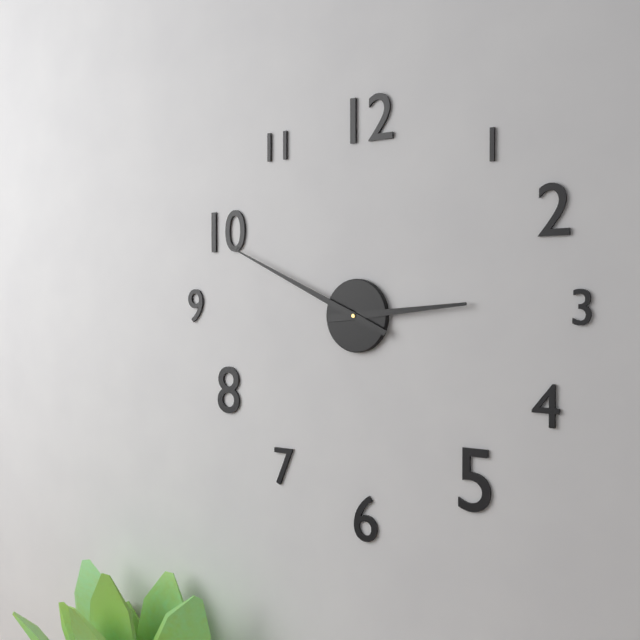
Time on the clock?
2:49
